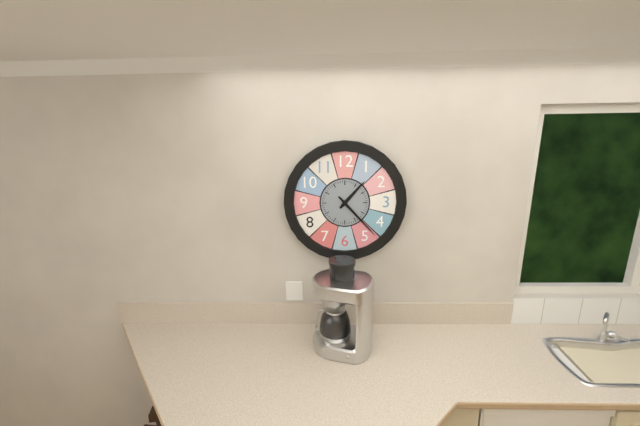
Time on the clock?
1:23
